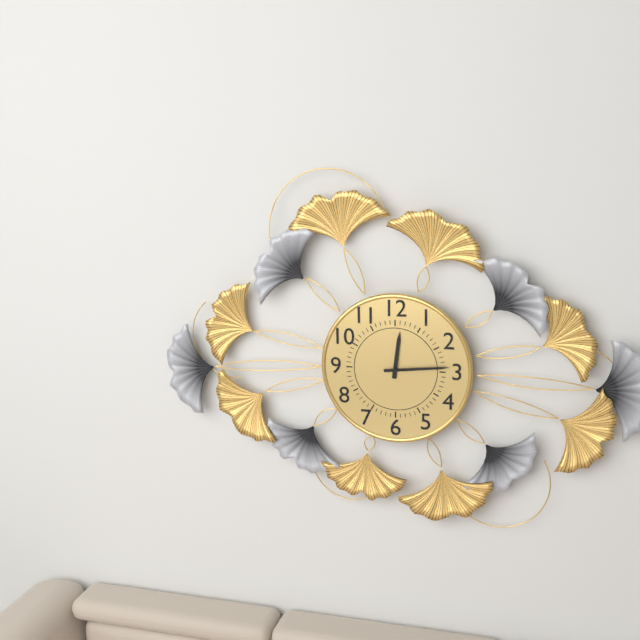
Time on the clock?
12:14
